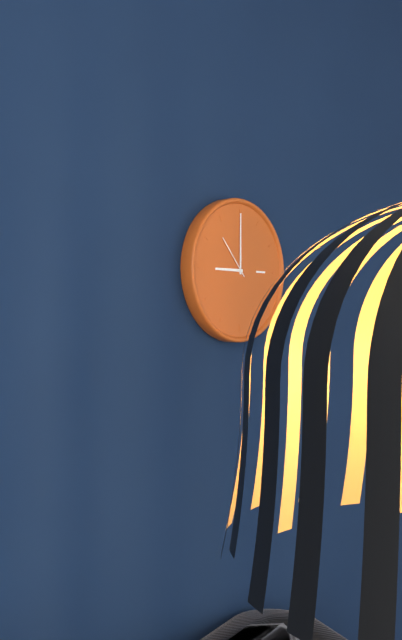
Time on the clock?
9:00
